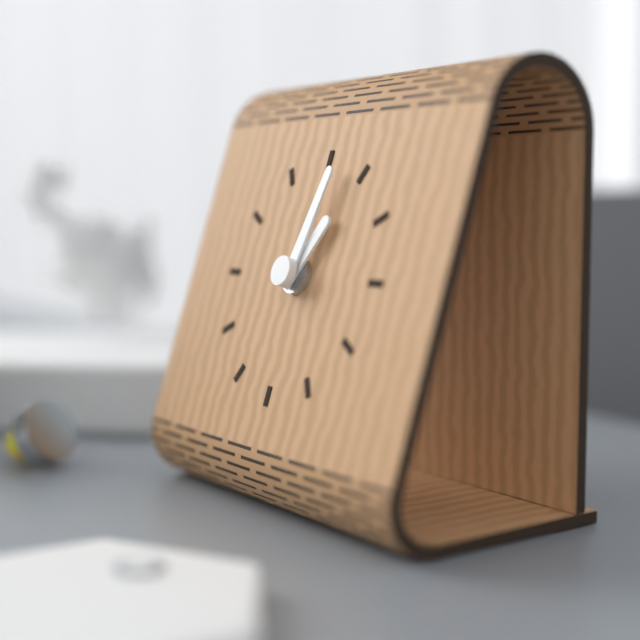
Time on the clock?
1:02
